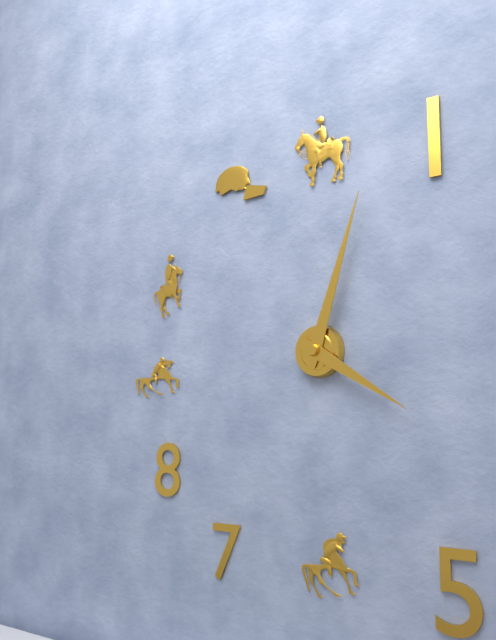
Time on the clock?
4:03
